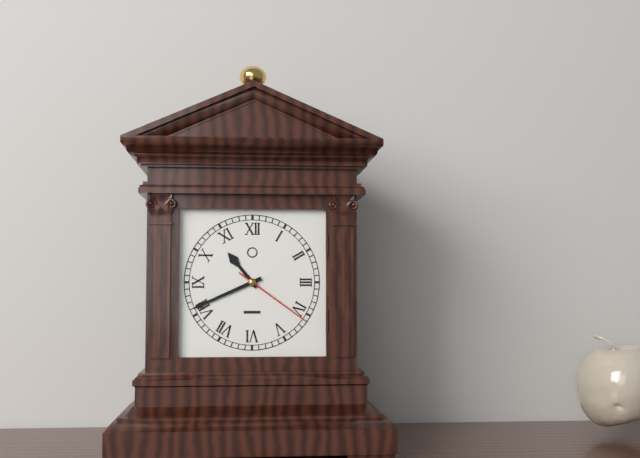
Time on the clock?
10:41:21
